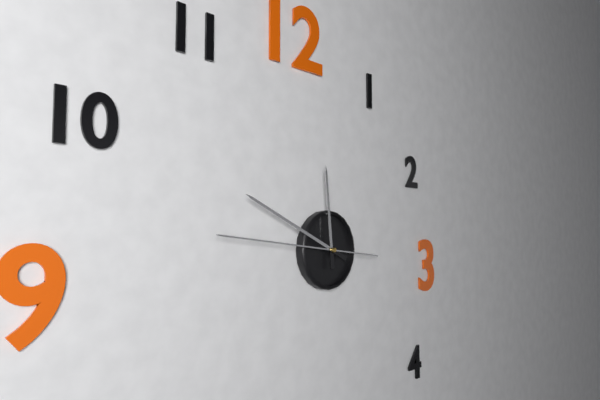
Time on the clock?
11:49:46
